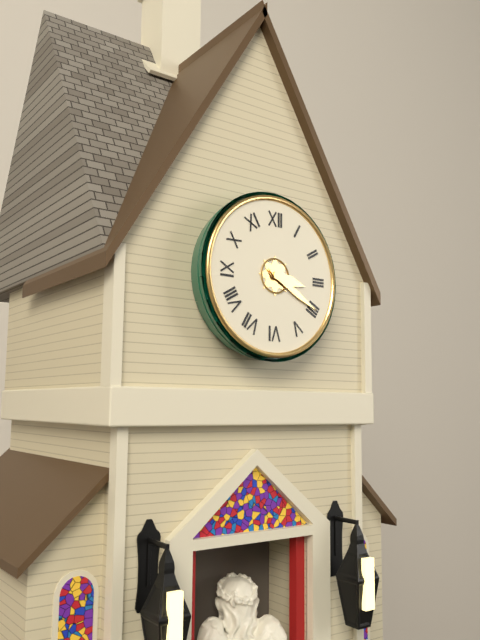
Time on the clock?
3:20
